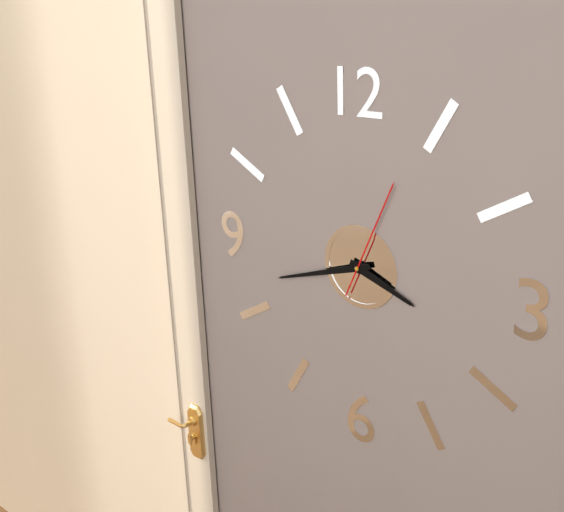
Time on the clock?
3:42:04
